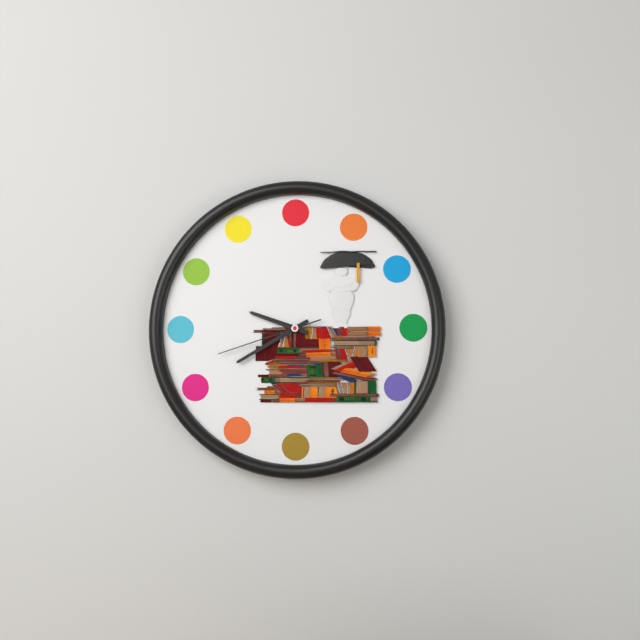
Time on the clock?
9:40:42
